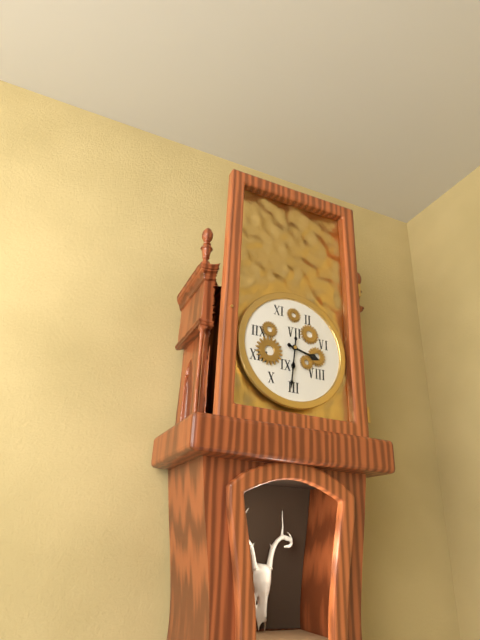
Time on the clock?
3:31
